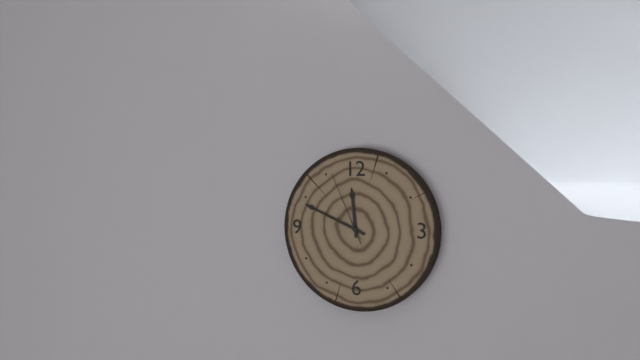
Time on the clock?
11:49:56
